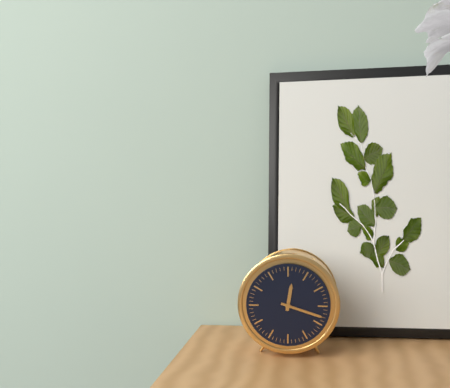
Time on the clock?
12:18
